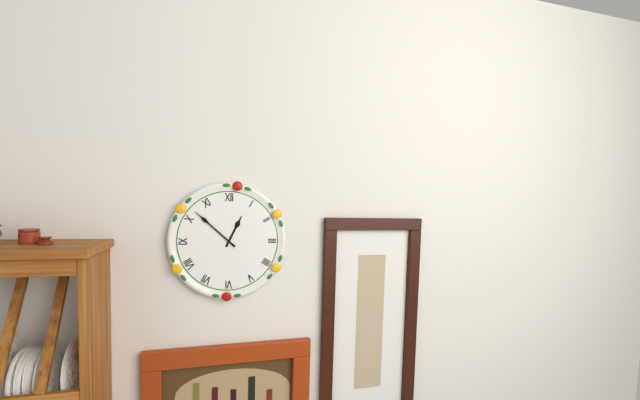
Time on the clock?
12:52
